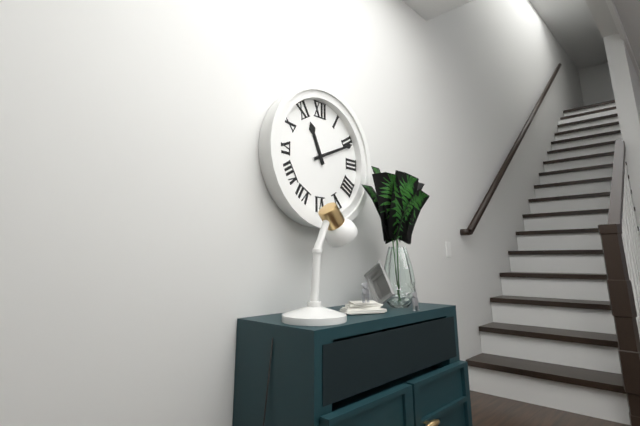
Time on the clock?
11:11
